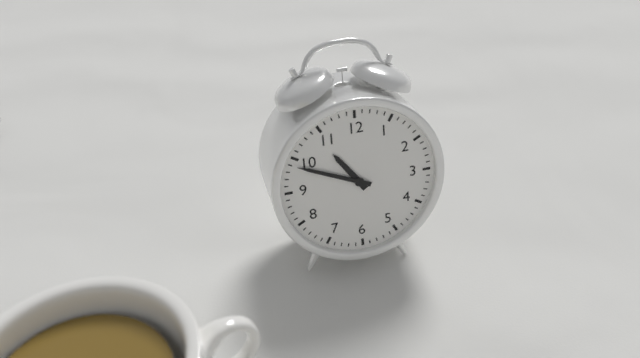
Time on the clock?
10:49
